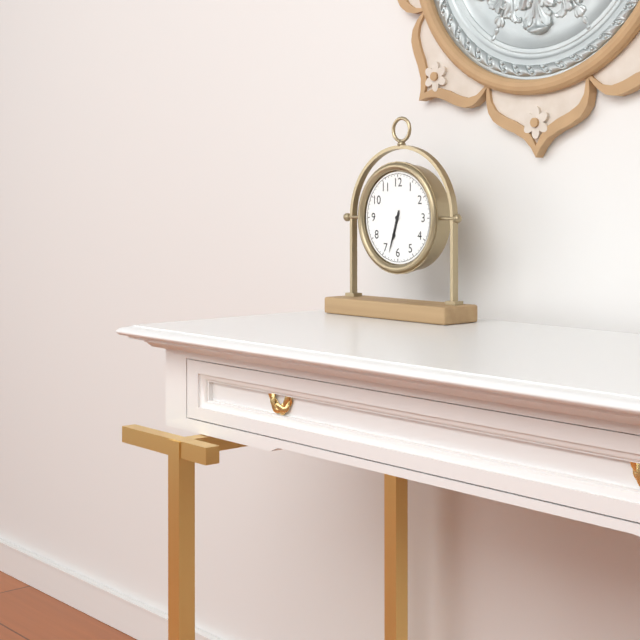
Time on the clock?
6:33
